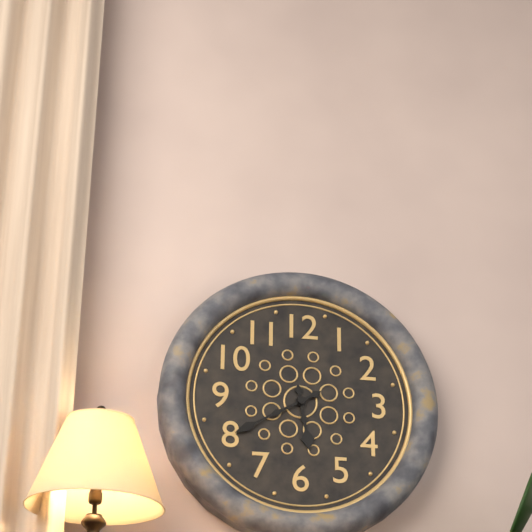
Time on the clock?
5:40
